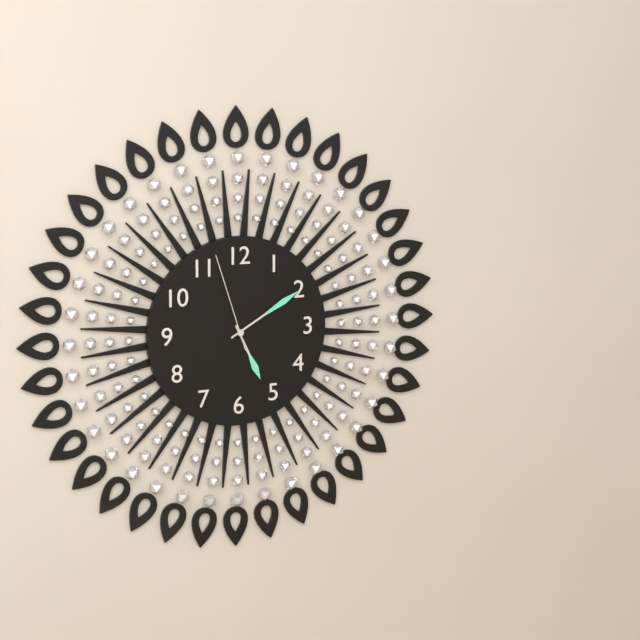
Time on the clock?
5:10:57
